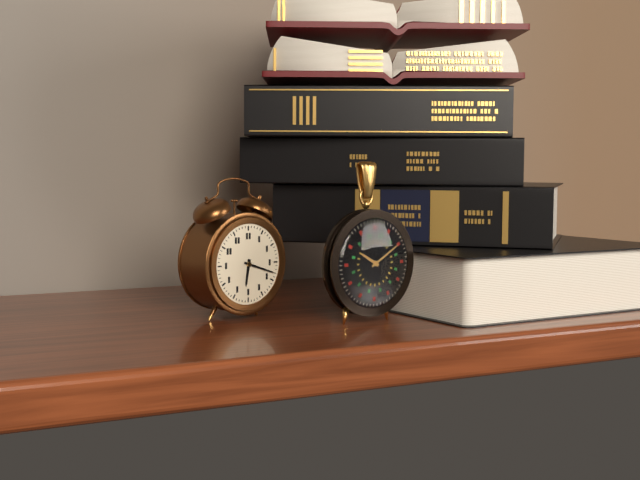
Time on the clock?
6:18
